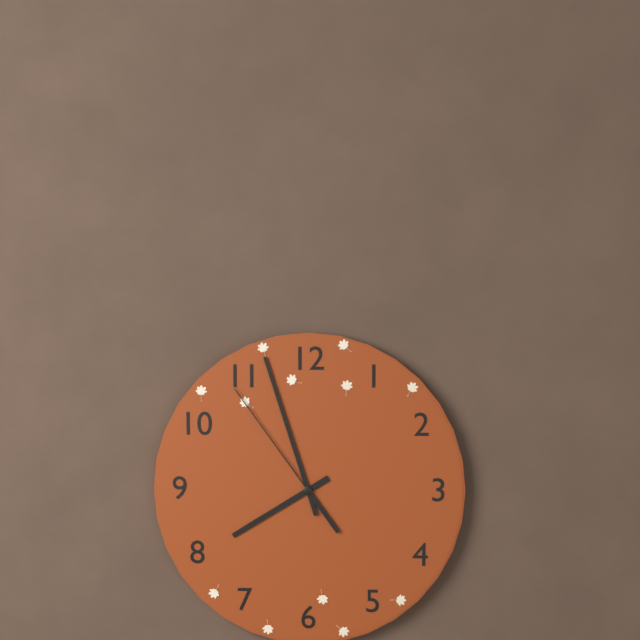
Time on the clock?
7:57:54
